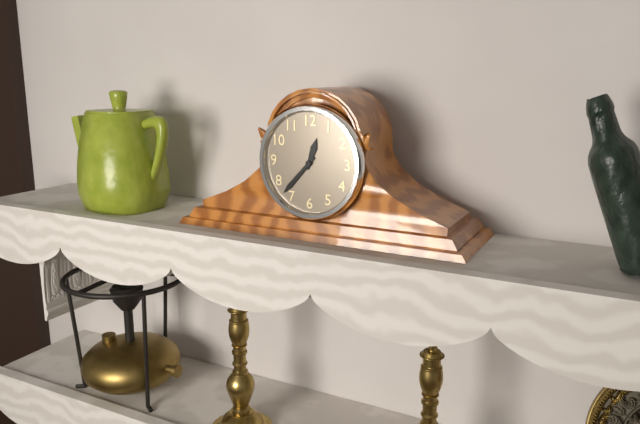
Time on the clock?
12:37
